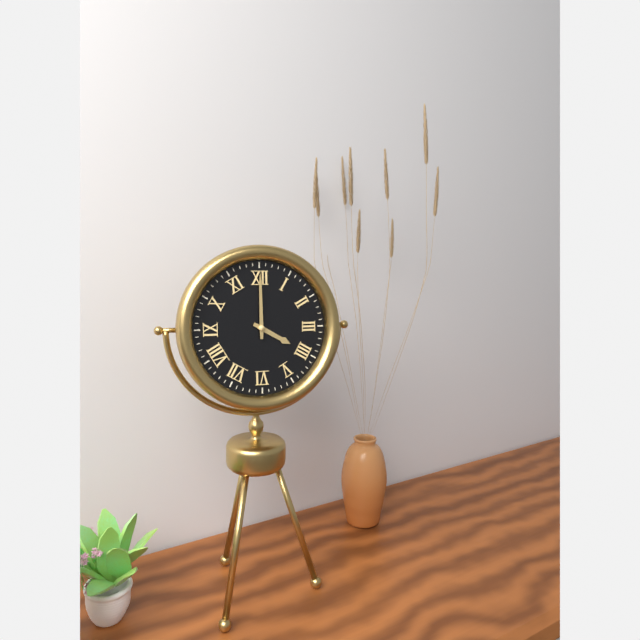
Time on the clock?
4:00
